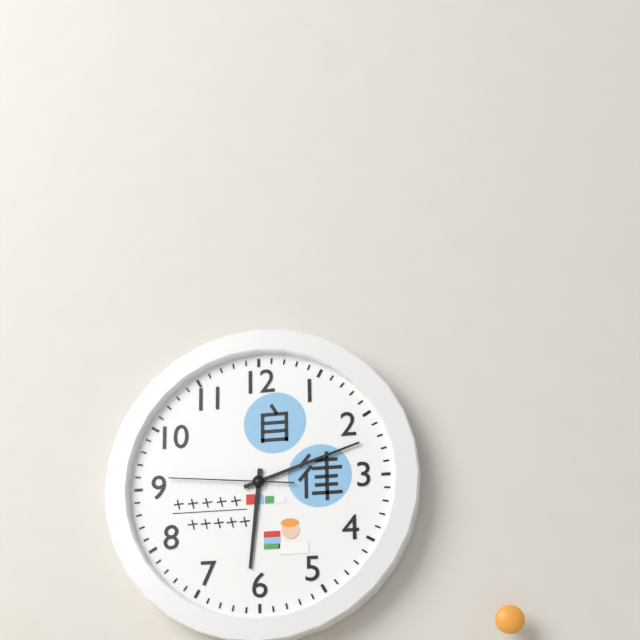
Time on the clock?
6:12:46
